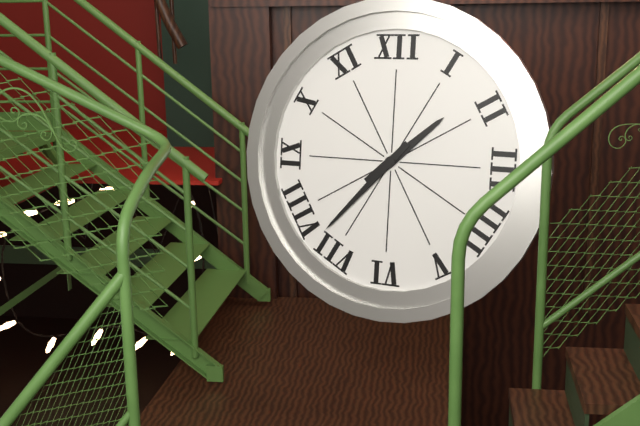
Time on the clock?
1:37
